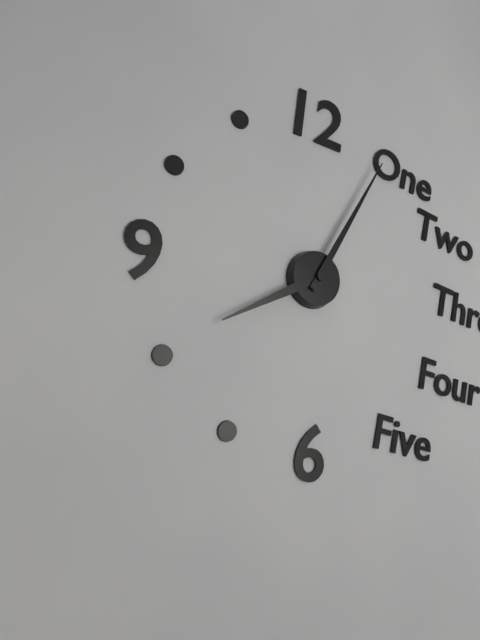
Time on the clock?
8:05
